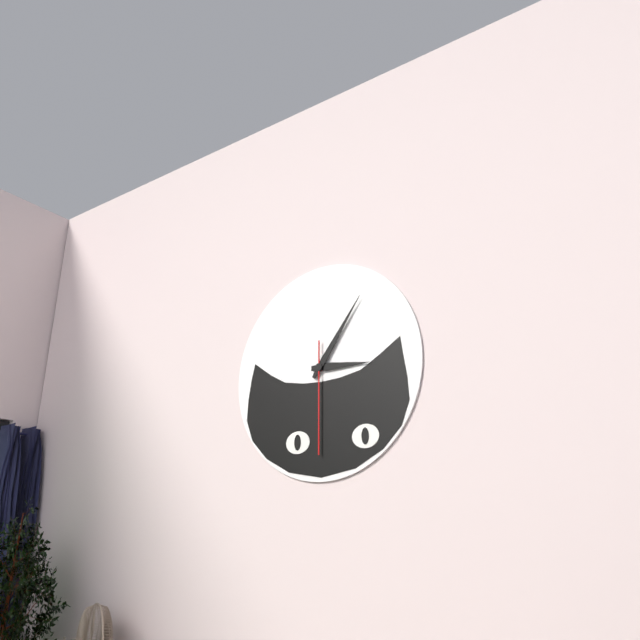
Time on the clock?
3:06:30
